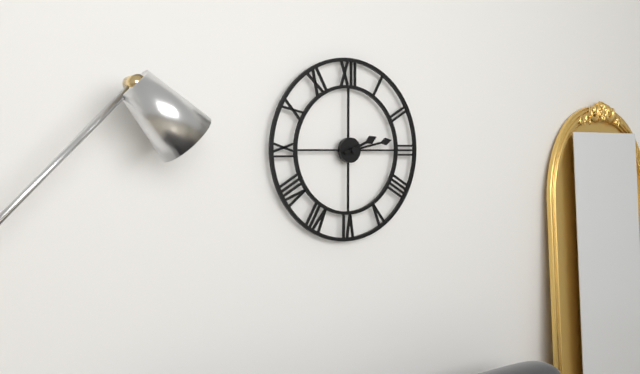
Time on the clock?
2:13
